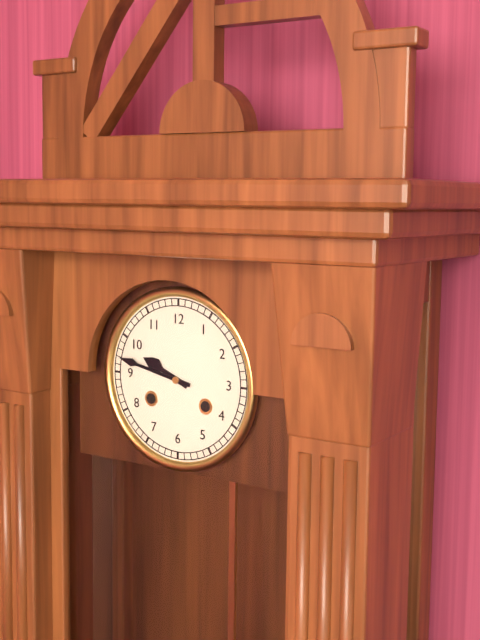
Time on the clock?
9:47
